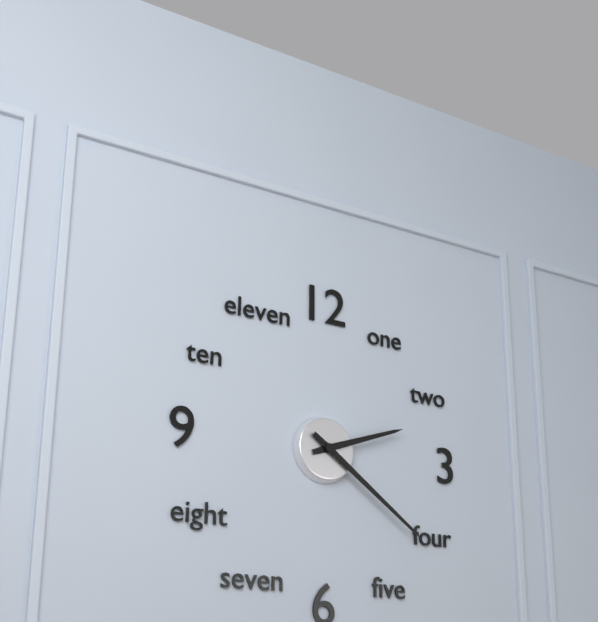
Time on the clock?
2:21
